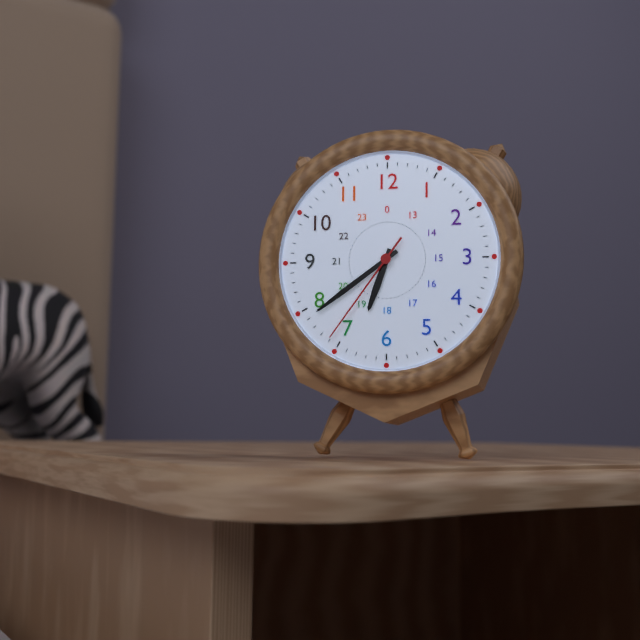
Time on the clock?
6:39:36
